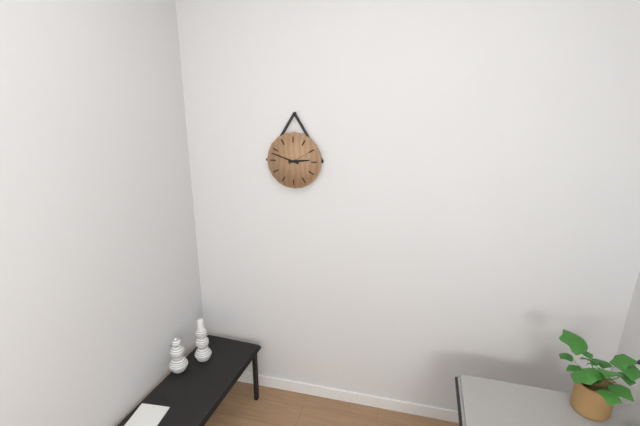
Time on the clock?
2:48
